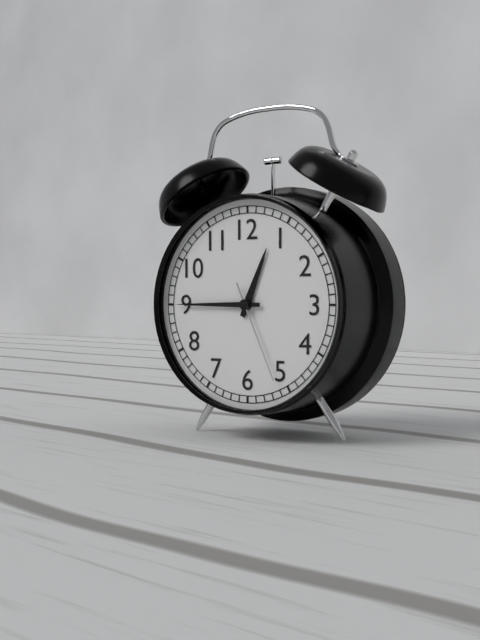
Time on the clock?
12:45:26
